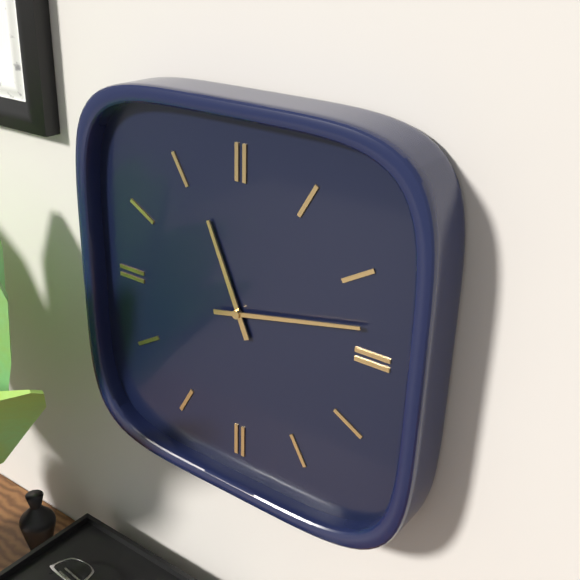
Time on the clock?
11:13
